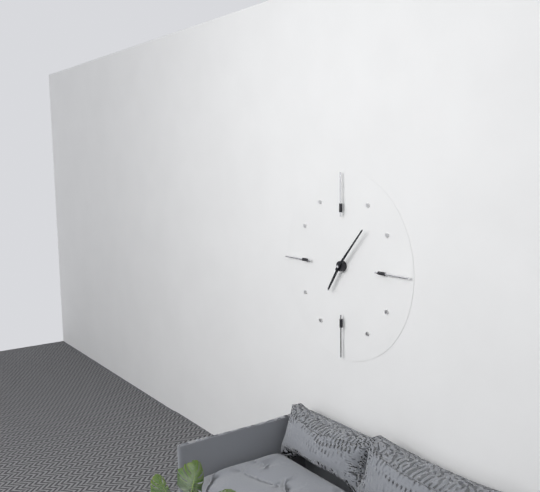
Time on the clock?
7:07
